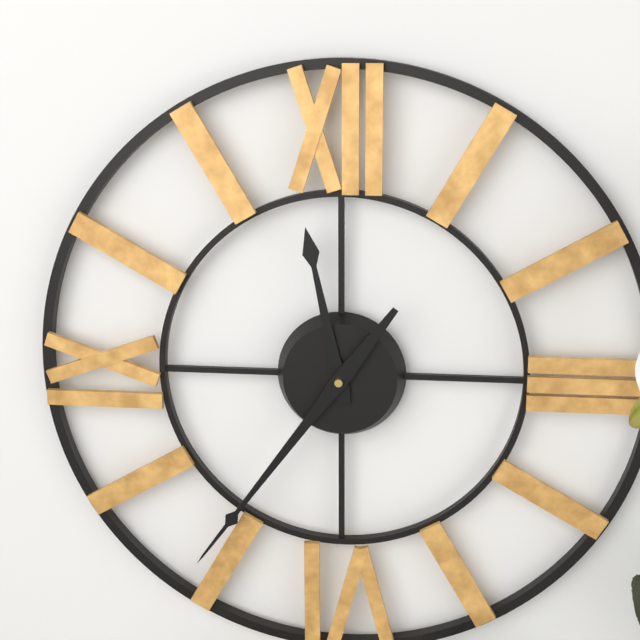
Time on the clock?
11:36
